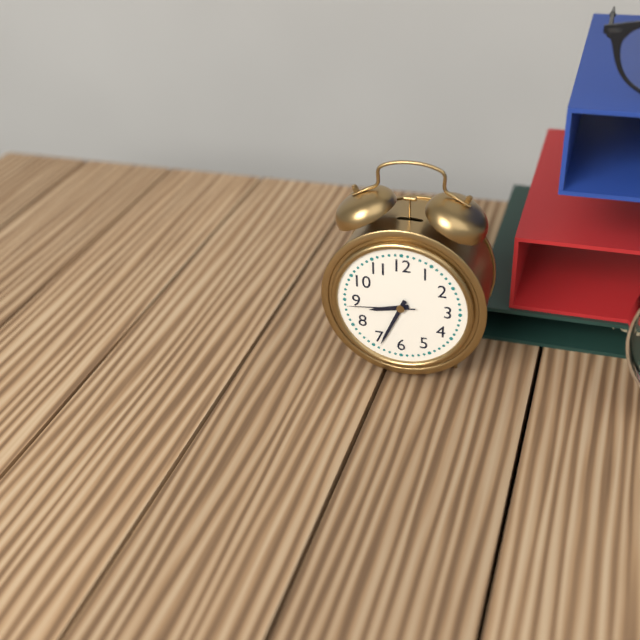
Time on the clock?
8:34:44
